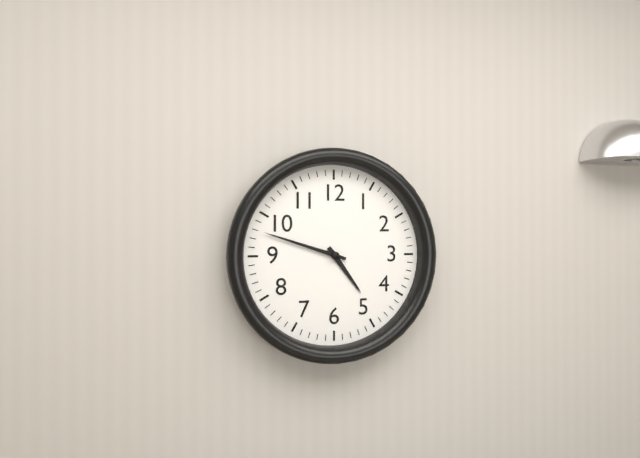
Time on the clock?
4:48
